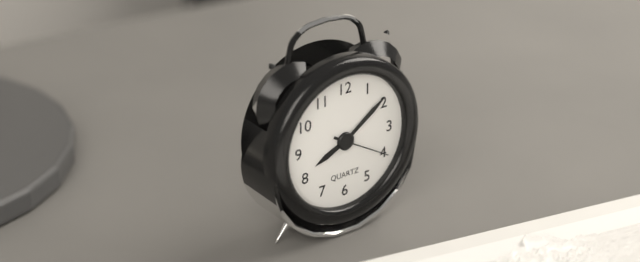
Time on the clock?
8:09:20
